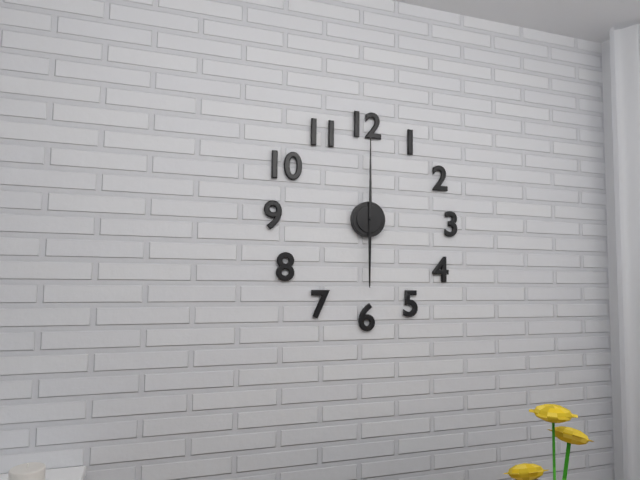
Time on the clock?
6:00
